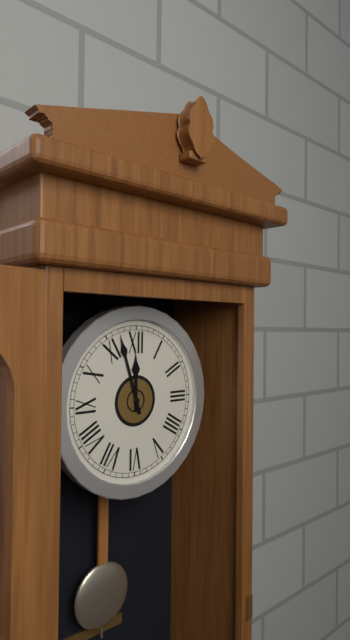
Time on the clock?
11:57
